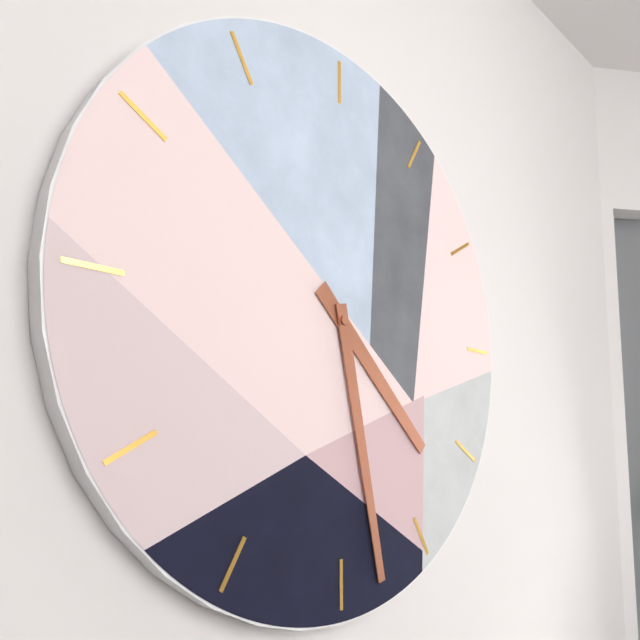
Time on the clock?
4:28
